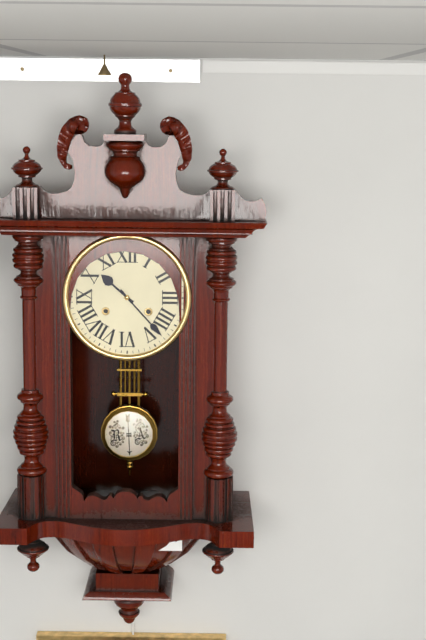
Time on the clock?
10:23
